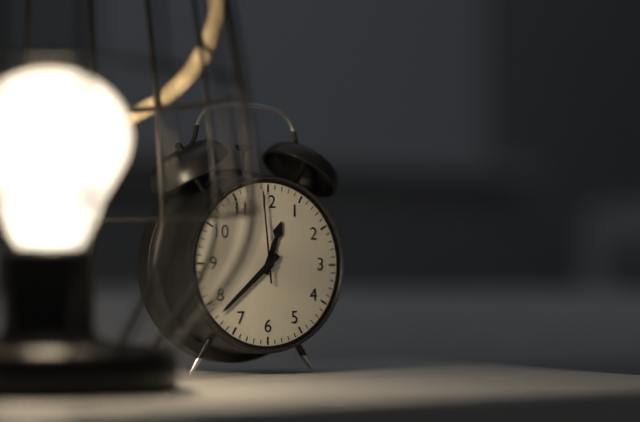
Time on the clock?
12:38:59
